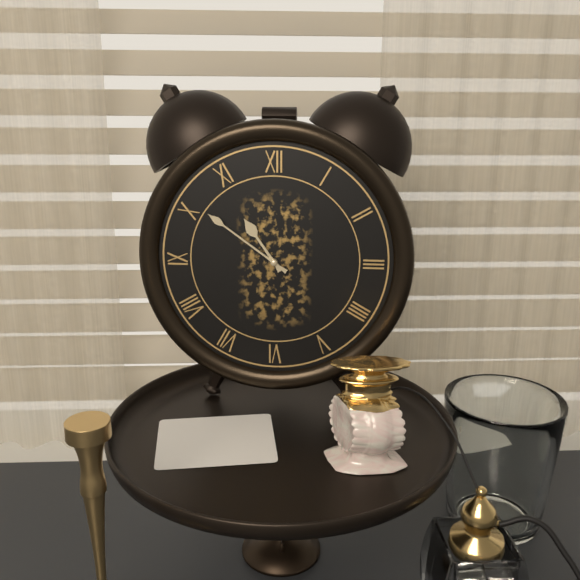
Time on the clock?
10:51
